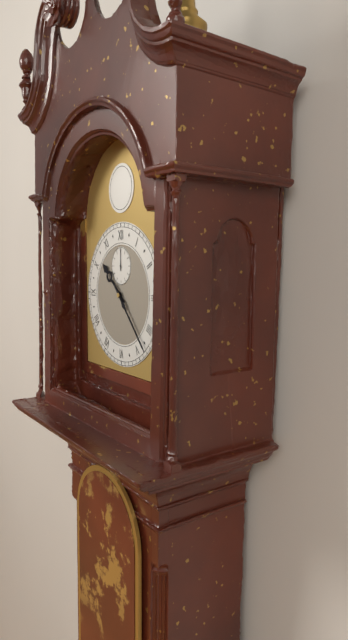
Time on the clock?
10:23
